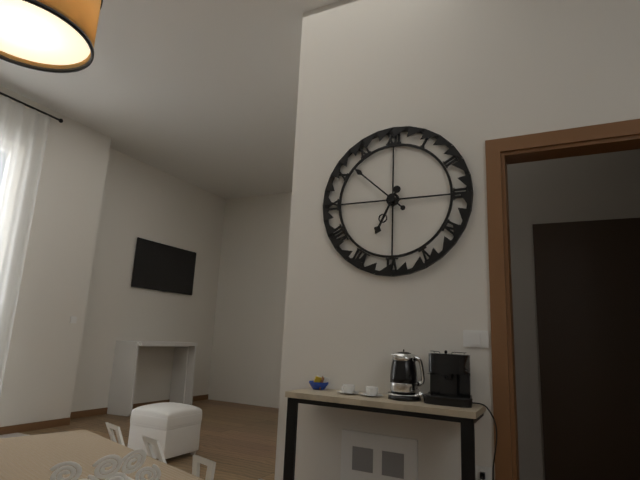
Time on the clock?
6:52
